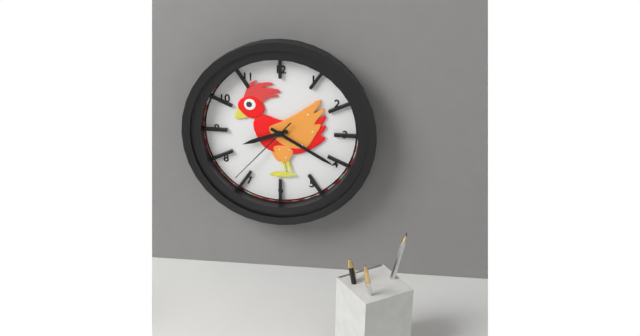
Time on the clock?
8:20:37
